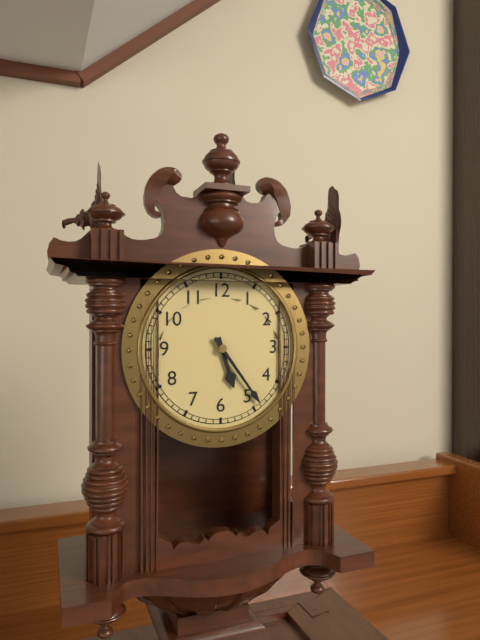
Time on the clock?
5:24
